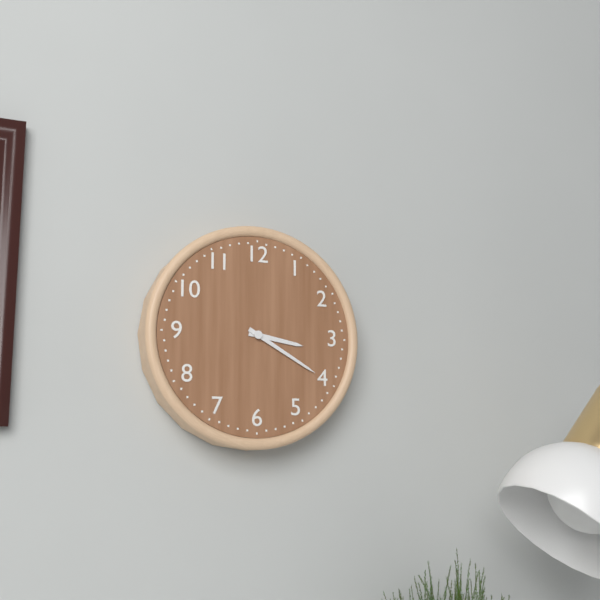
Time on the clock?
3:20
